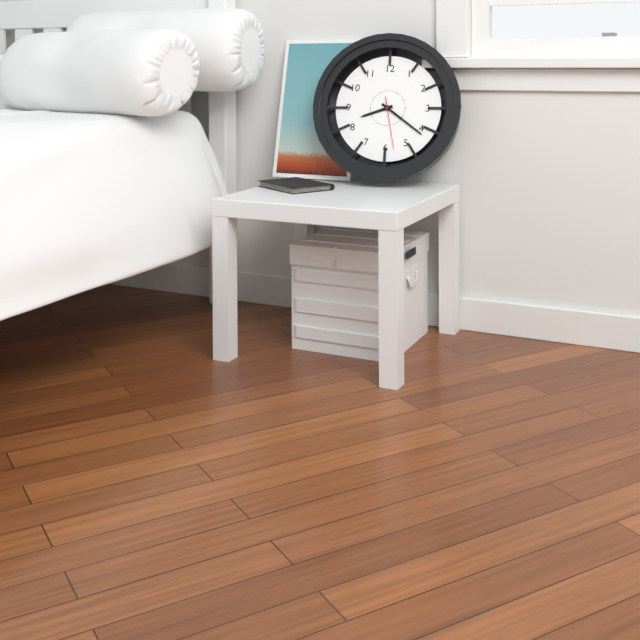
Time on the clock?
8:21:28
